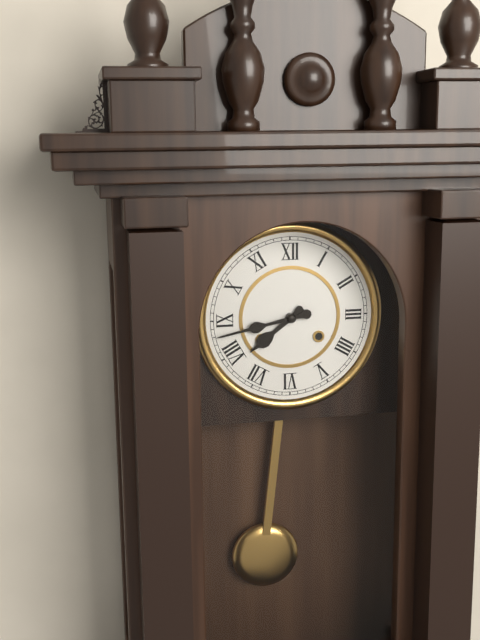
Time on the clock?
7:43
